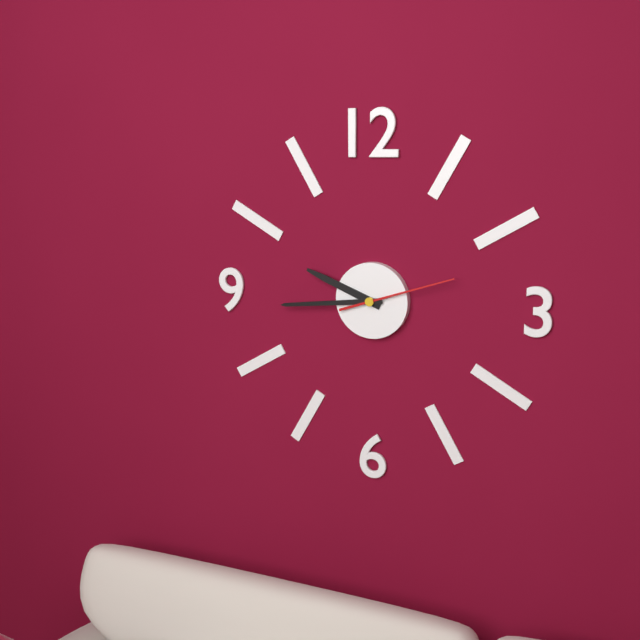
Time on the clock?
9:44:12
